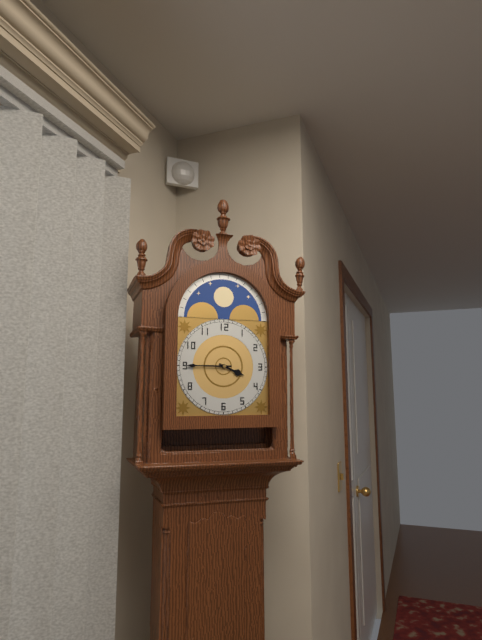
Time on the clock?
3:45
